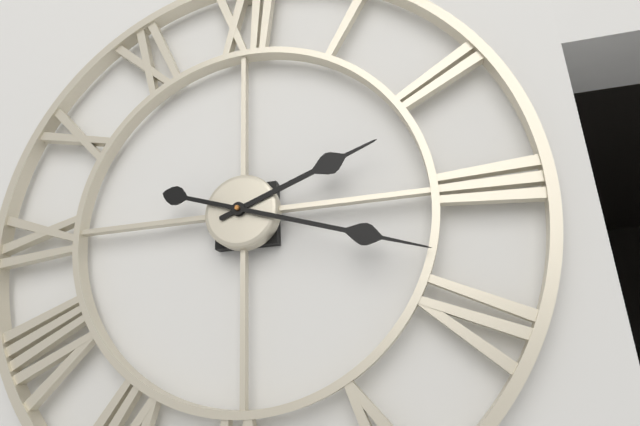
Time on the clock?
2:18
